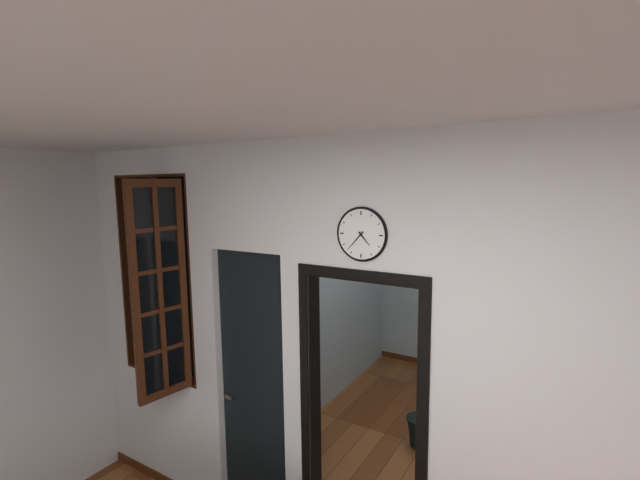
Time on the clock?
4:37
